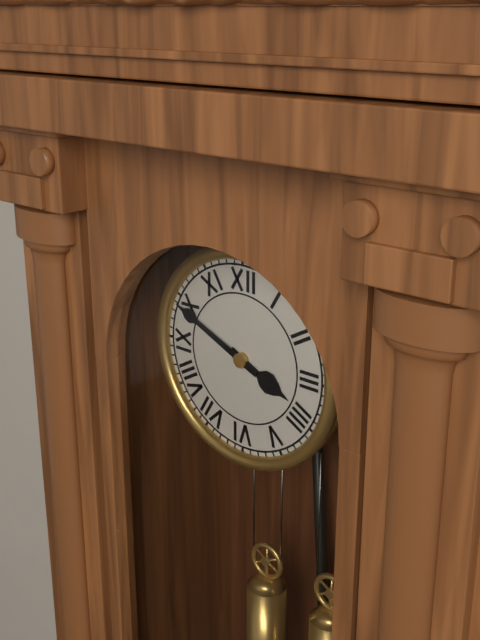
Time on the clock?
3:49
